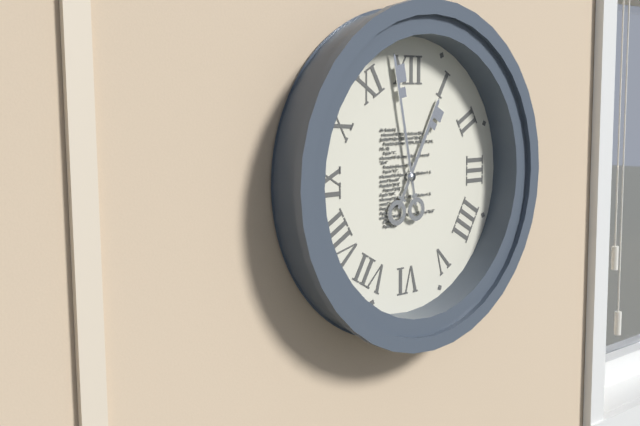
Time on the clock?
12:58
